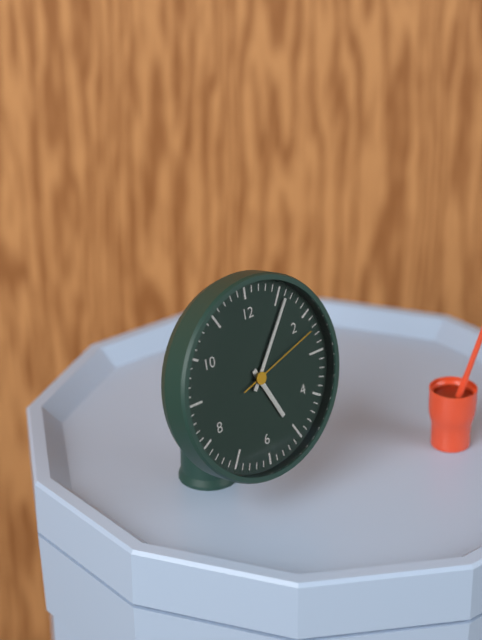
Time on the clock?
5:06:12
